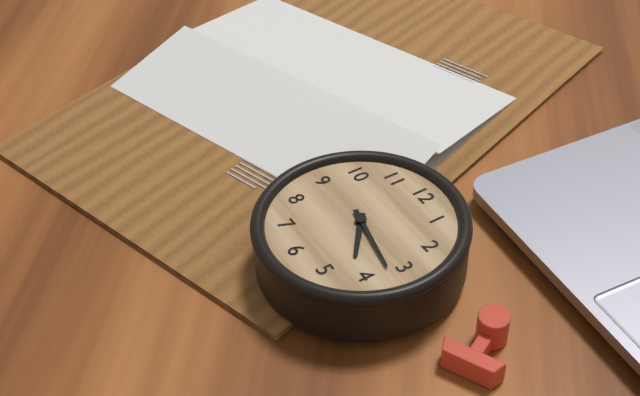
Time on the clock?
4:17
